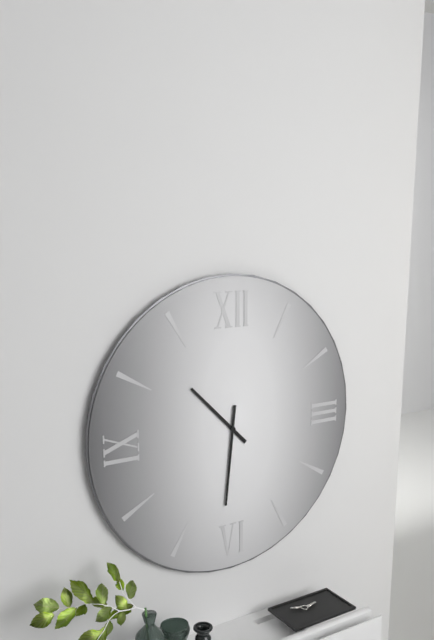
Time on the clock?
10:31
